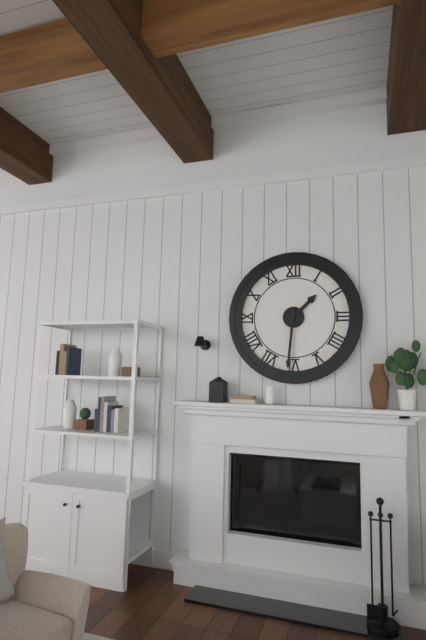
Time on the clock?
1:31
